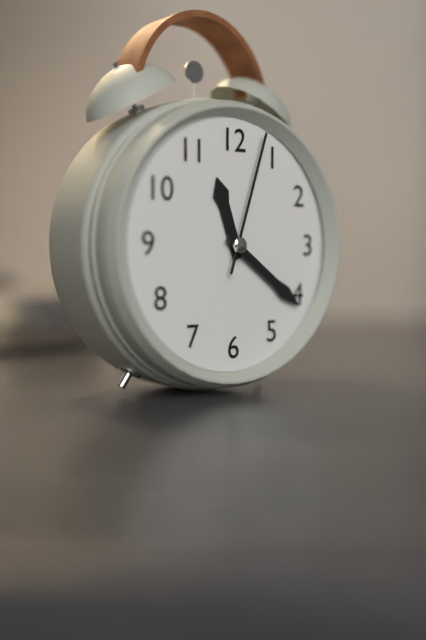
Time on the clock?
11:21:03
